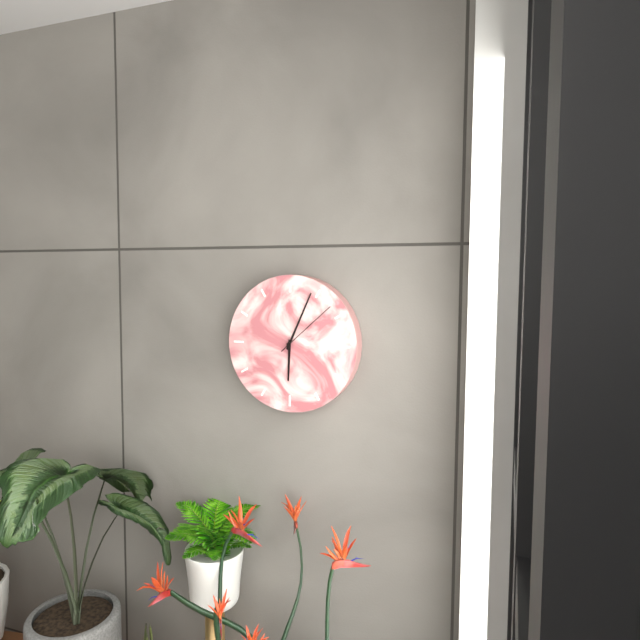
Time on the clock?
6:04:08
